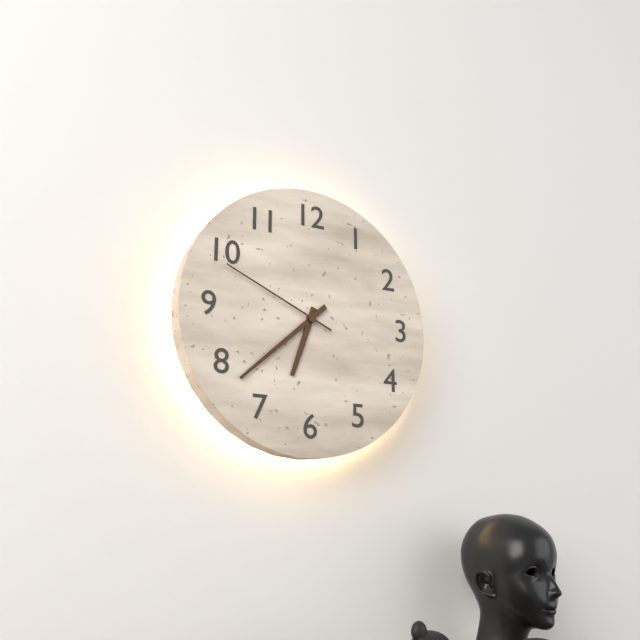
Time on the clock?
6:38:49
